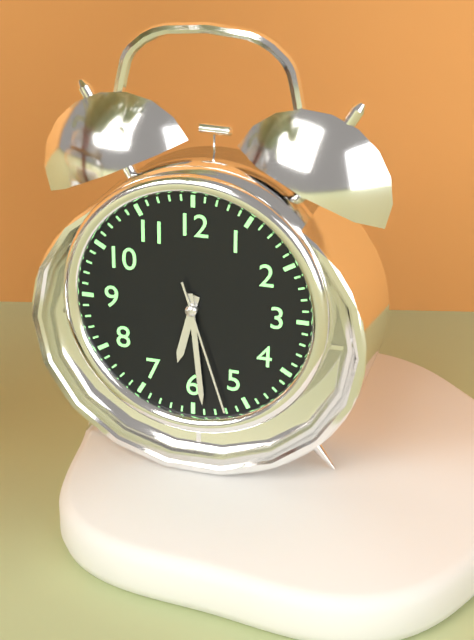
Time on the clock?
6:29:27
